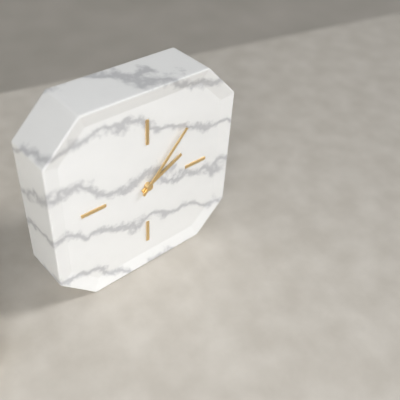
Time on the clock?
2:07
